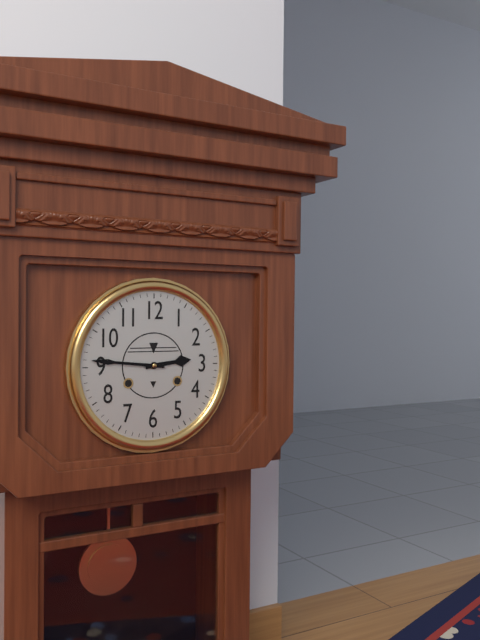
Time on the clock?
2:46
